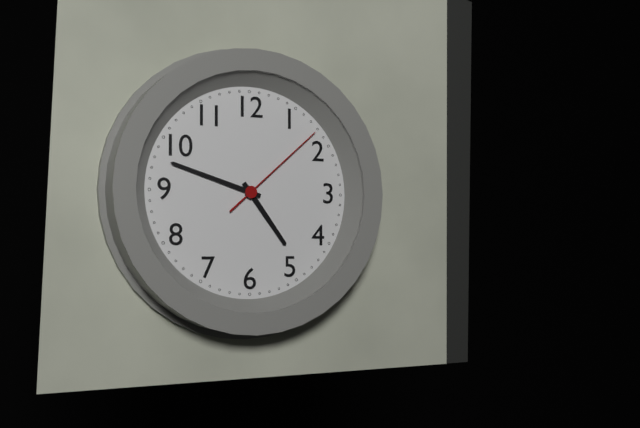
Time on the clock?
4:48:08
